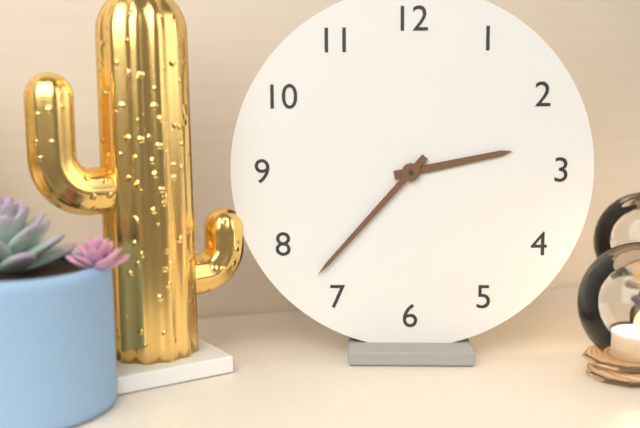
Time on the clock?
2:37
